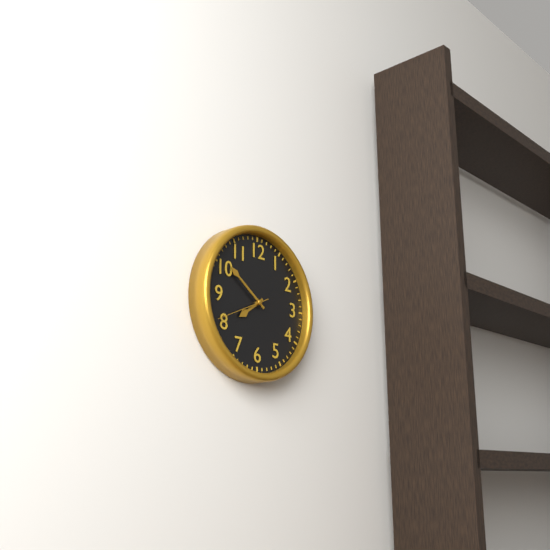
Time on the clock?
7:51:41
